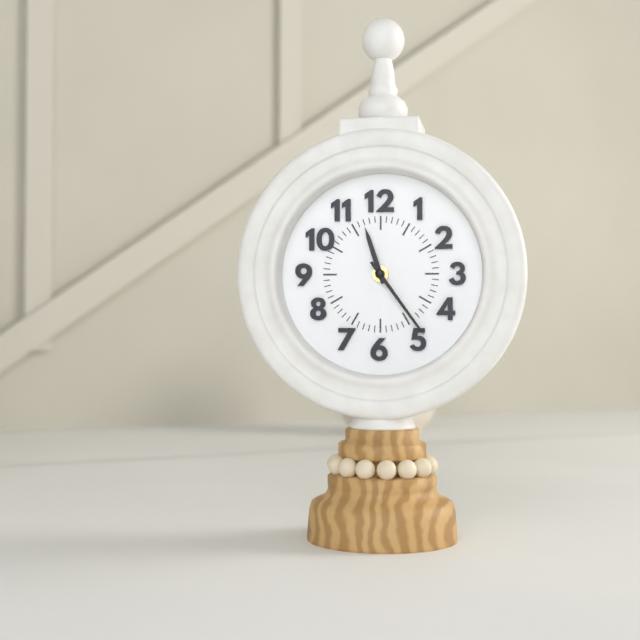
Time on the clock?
11:24
